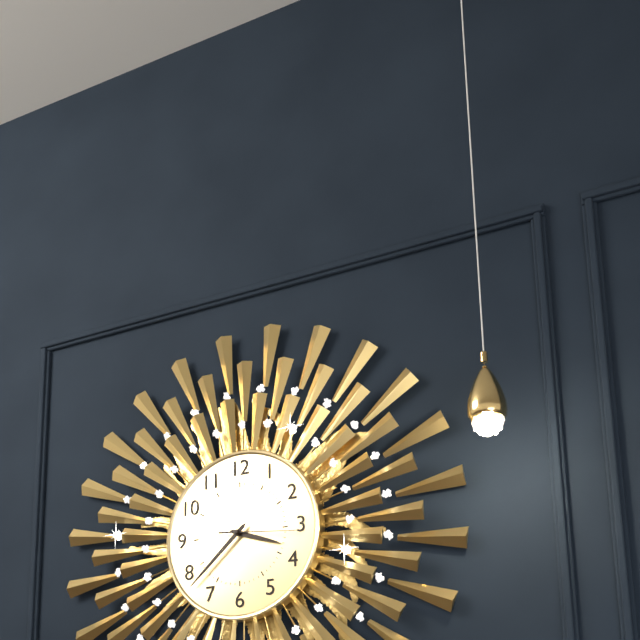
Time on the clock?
3:38:16
